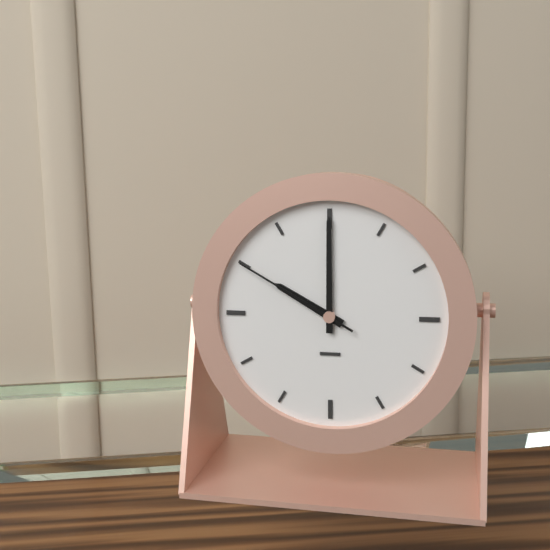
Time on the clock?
10:00:50
